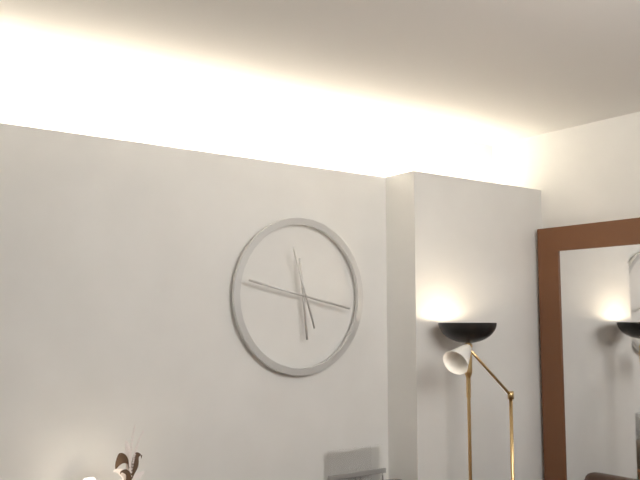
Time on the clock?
5:47:57
